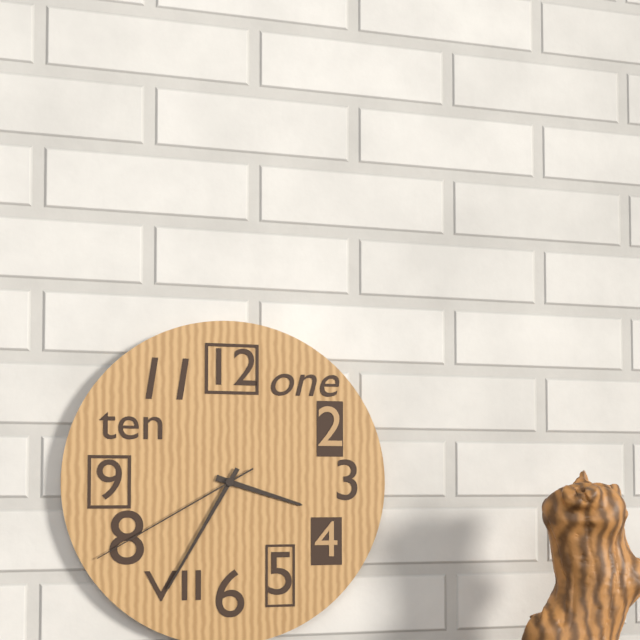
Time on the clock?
3:35:40
